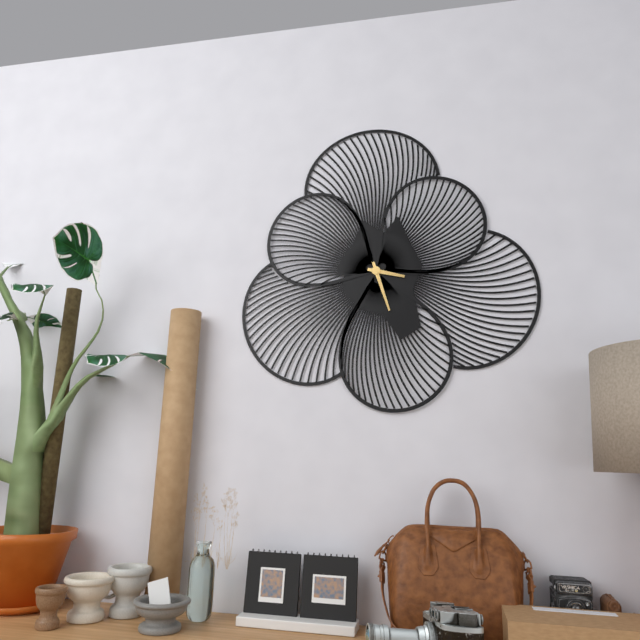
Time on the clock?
3:27
